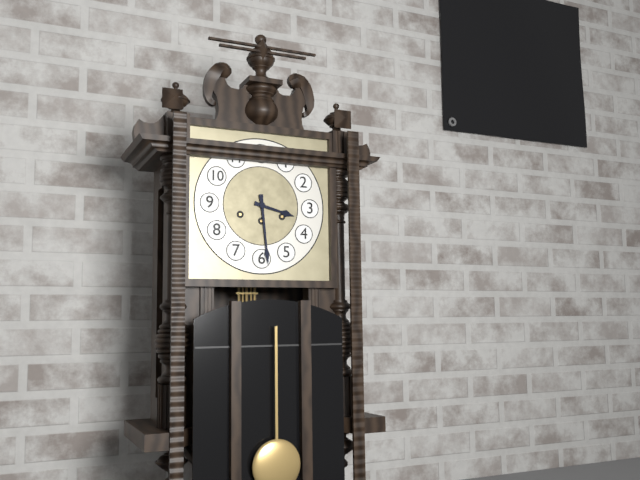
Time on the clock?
3:29
